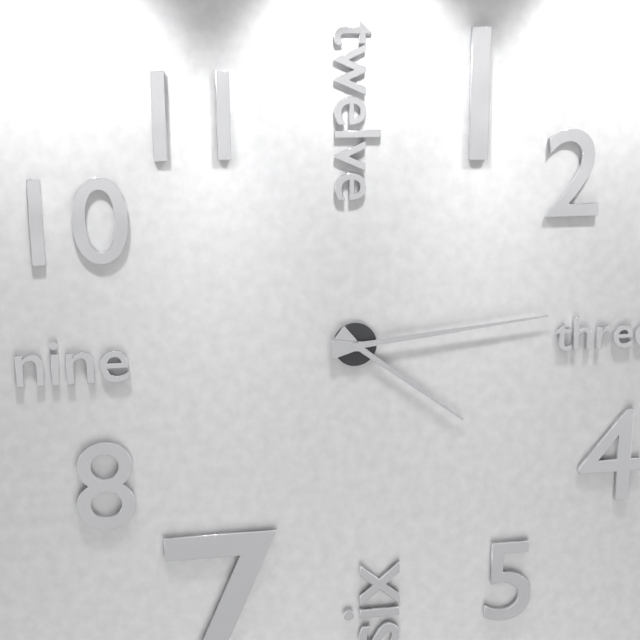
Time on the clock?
4:14
